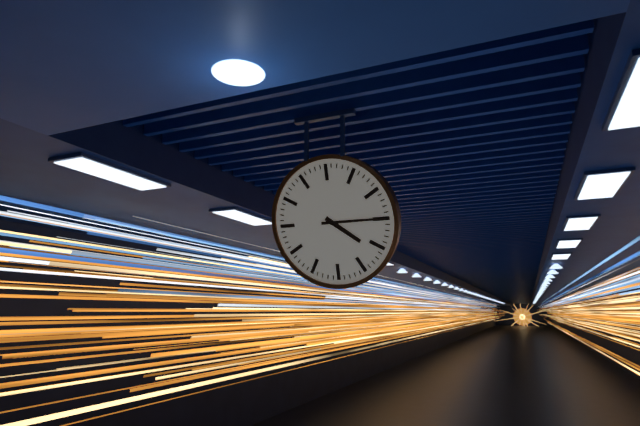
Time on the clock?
4:15
